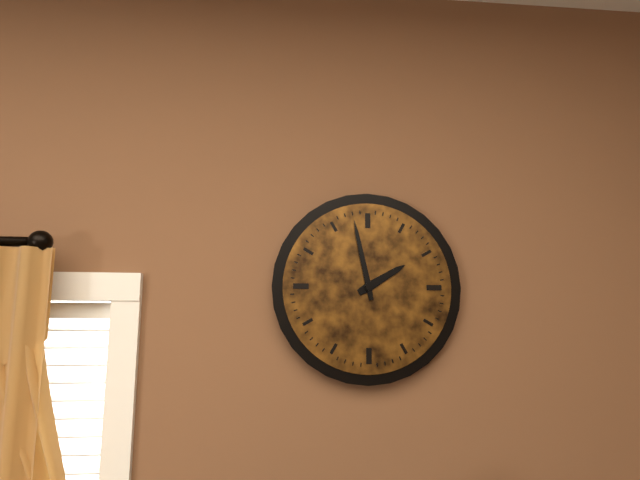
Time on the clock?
1:58
